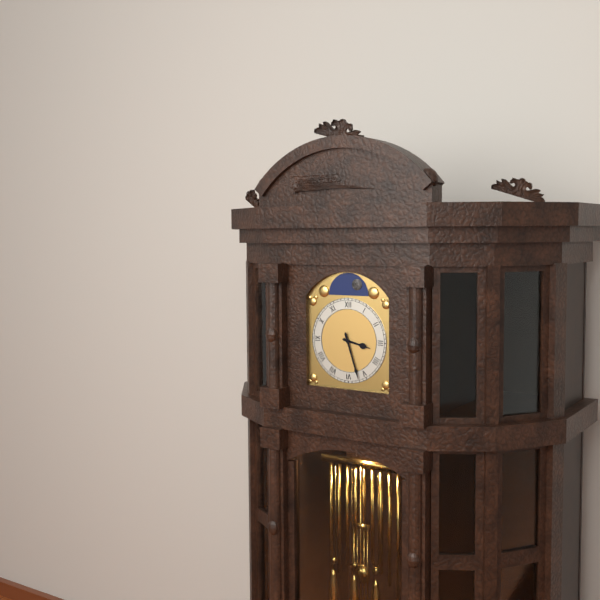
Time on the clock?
3:27
